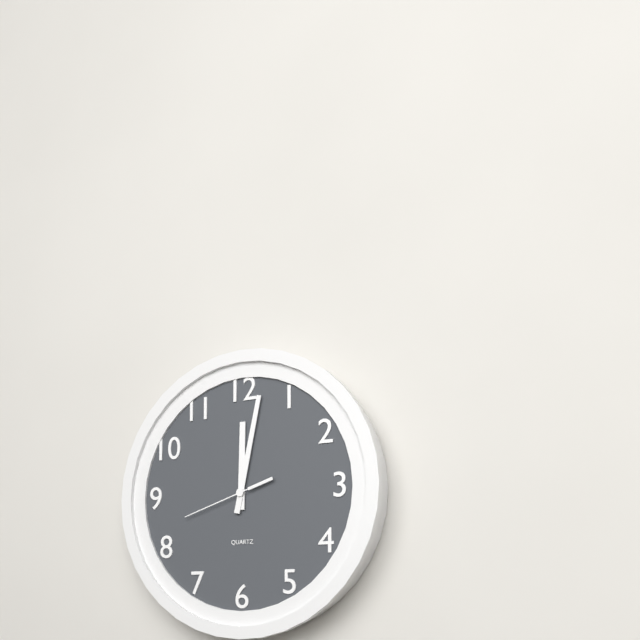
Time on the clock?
12:02:42
